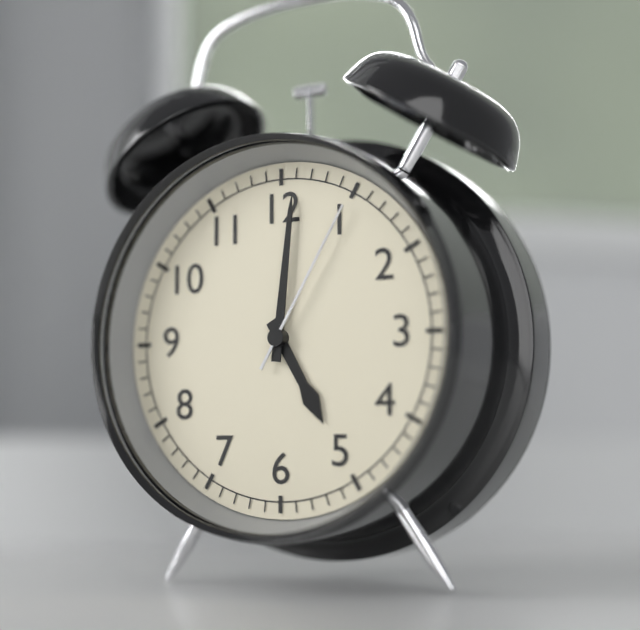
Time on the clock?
5:01:05
